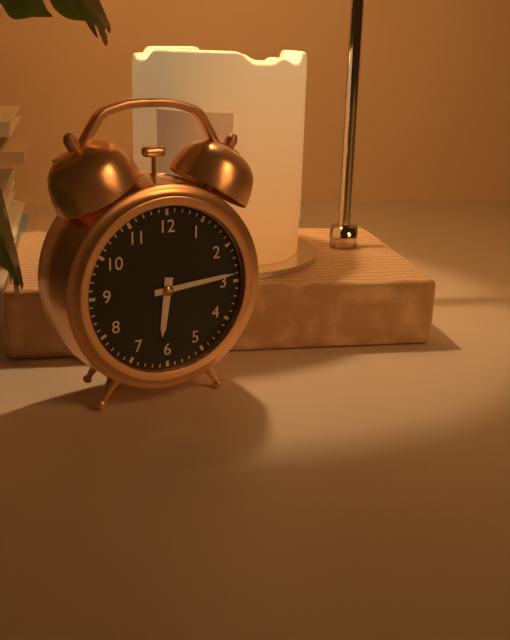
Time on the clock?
6:14
